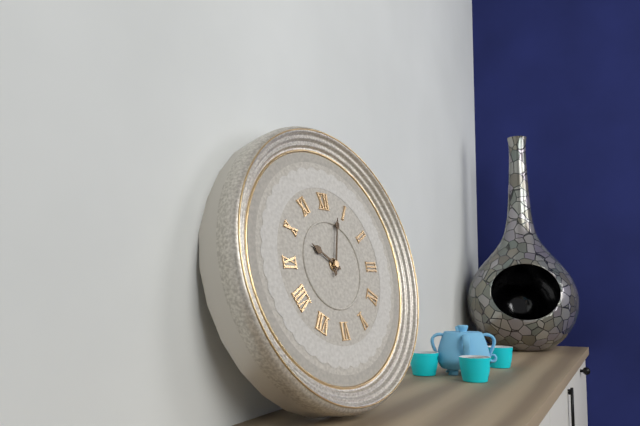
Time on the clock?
10:03
